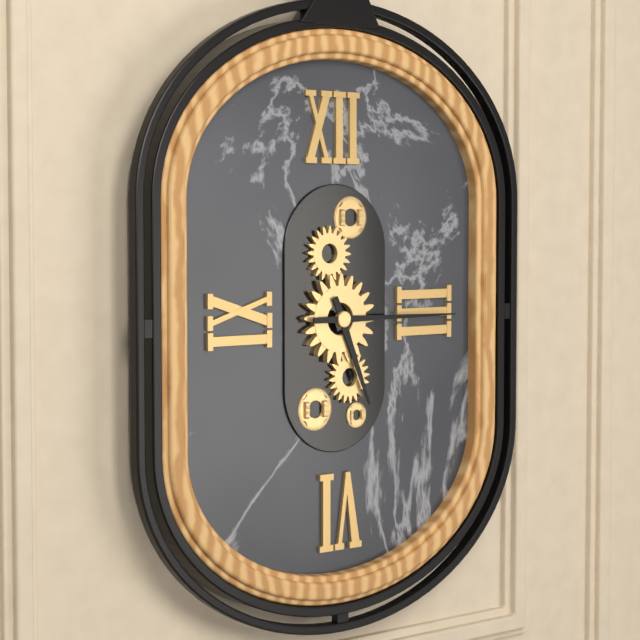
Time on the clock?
5:15
